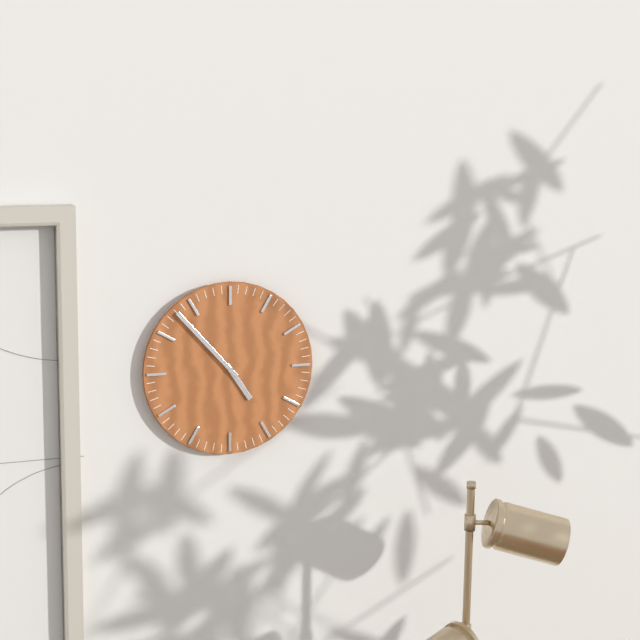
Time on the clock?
4:53
